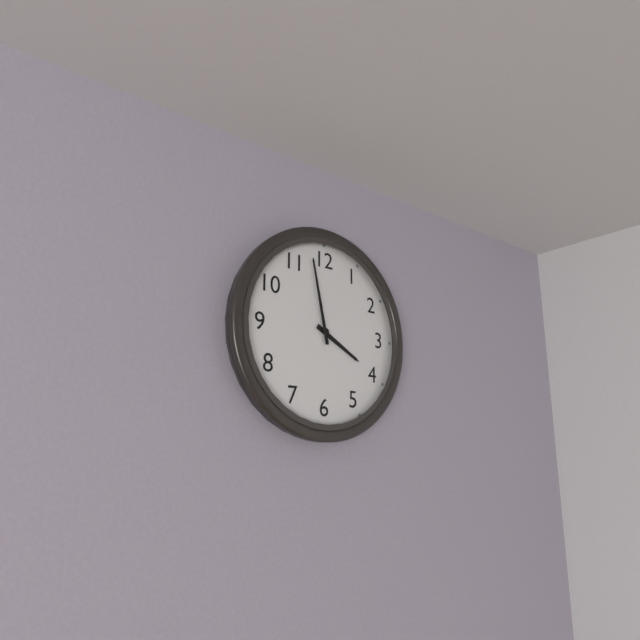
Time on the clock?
3:58
